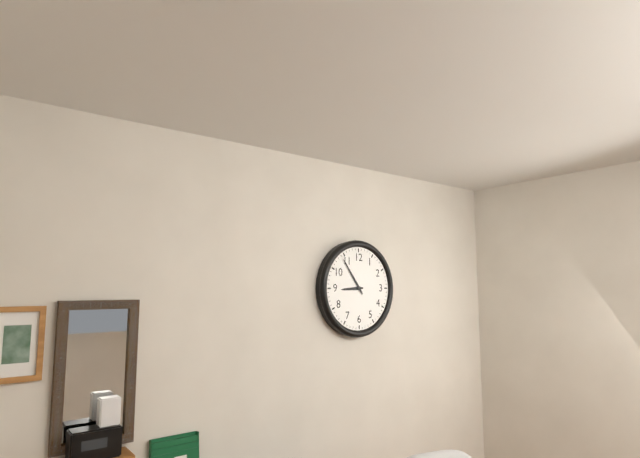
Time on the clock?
8:54
